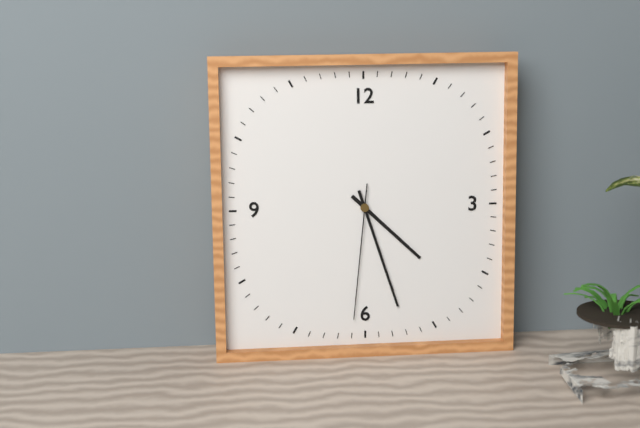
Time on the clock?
4:27:31
